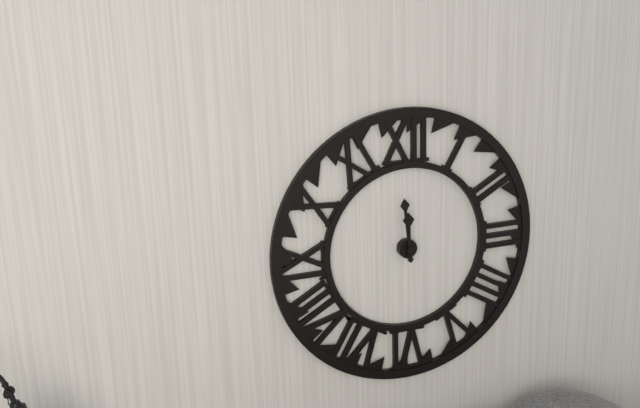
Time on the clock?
11:59
